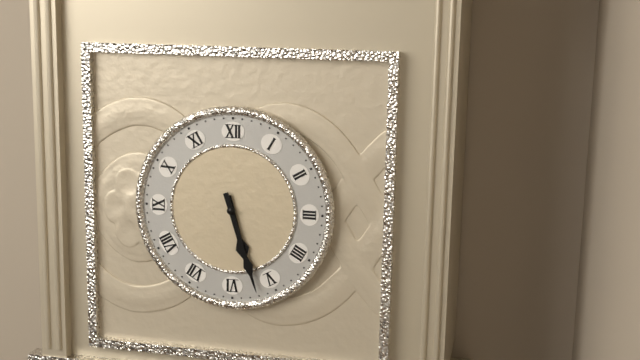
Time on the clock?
5:27
